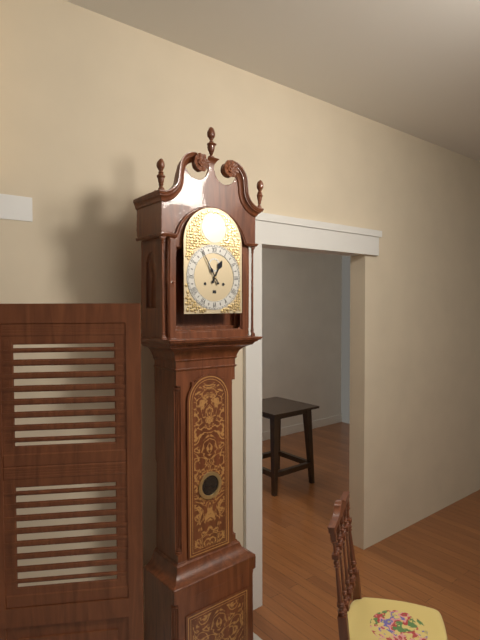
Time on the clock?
12:55
